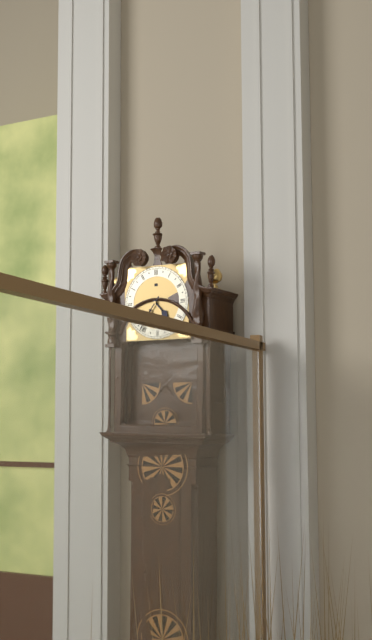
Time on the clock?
4:36
